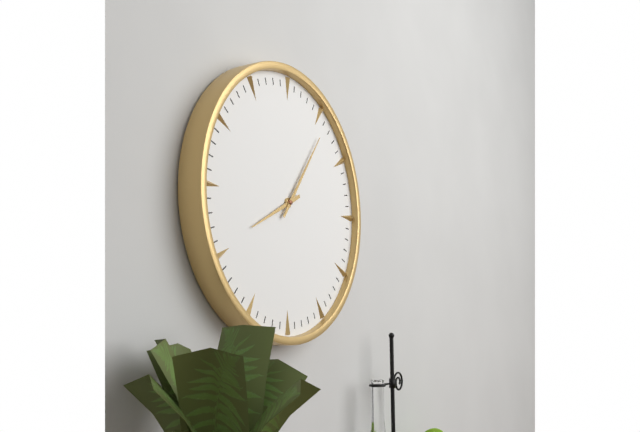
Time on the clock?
8:06
